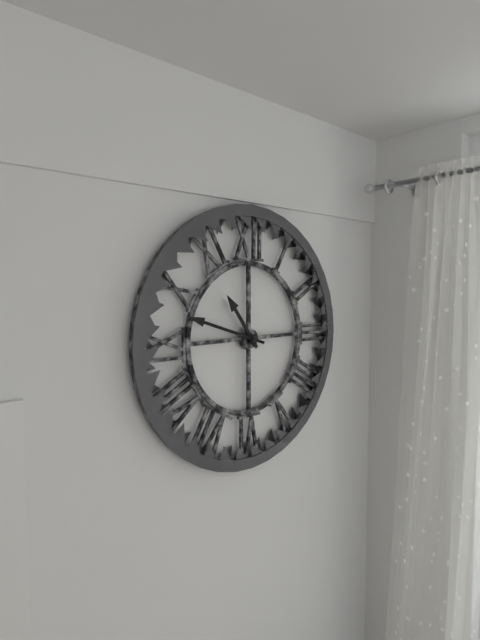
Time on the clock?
10:48
